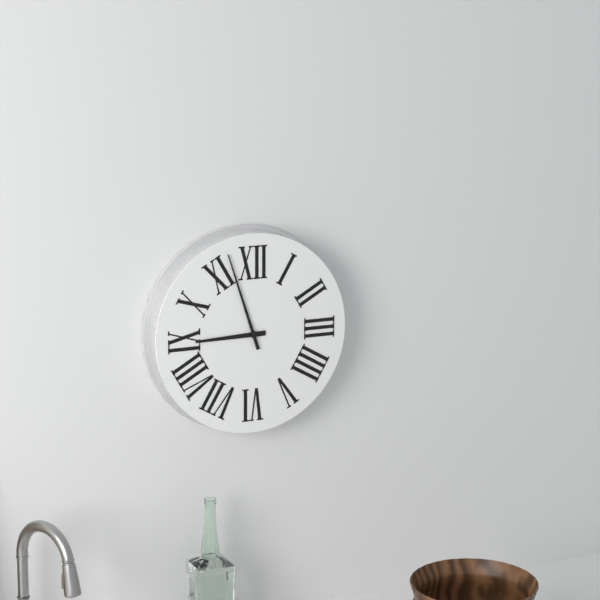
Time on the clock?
8:57
